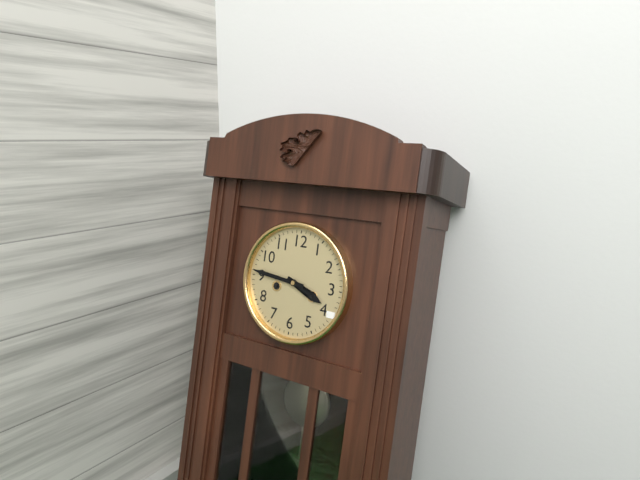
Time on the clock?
3:46
